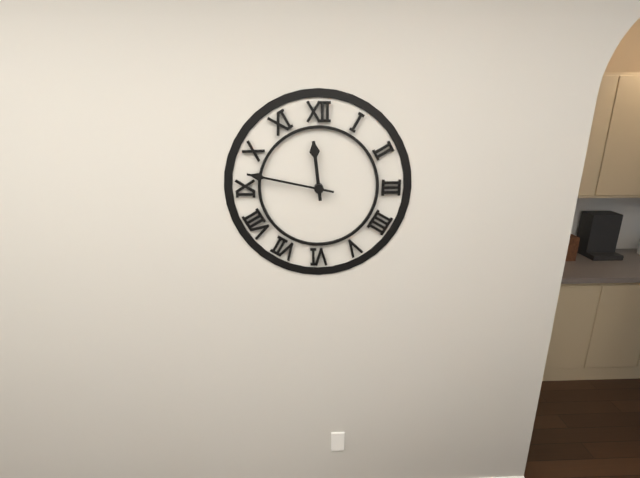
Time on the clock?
11:47
